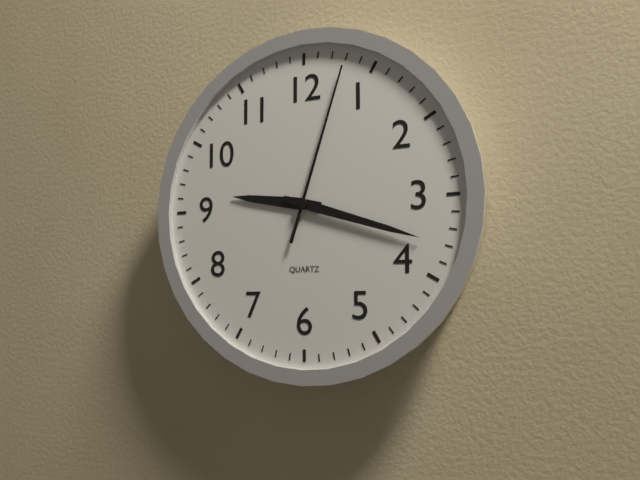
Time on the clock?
9:18:03
